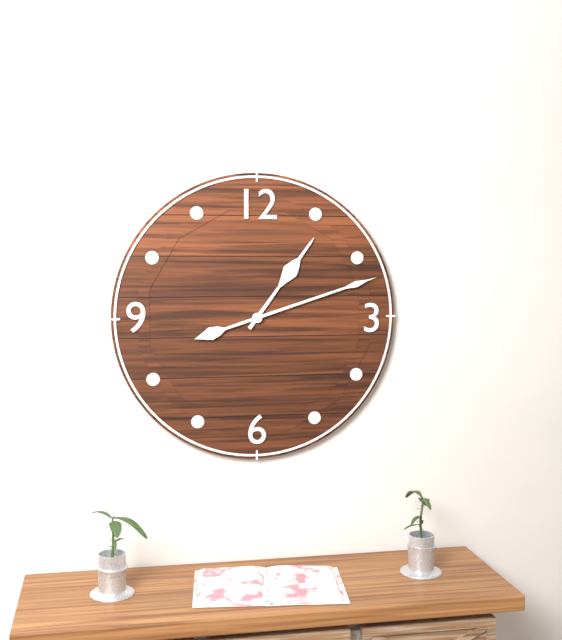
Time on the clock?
1:12
